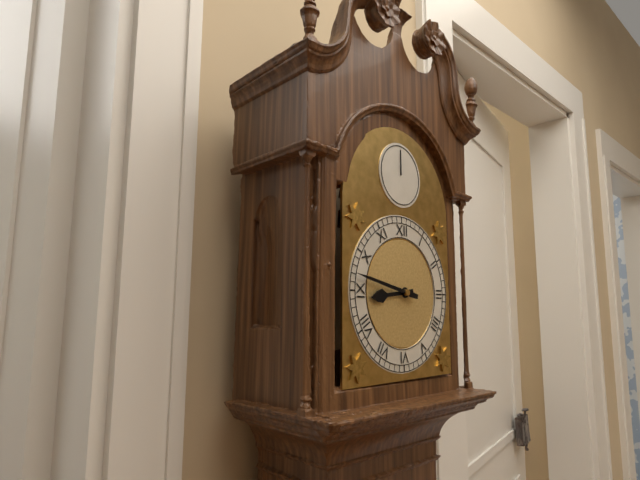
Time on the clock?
8:47
